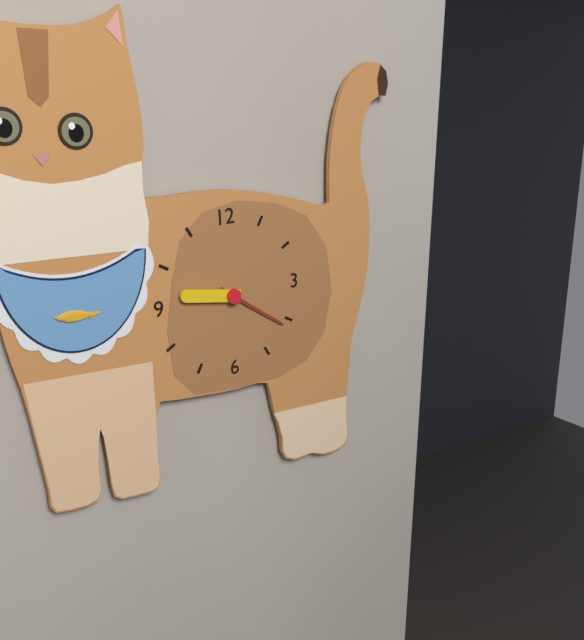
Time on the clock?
9:21
